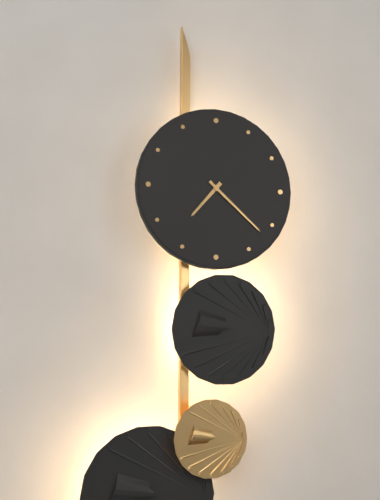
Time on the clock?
7:22
